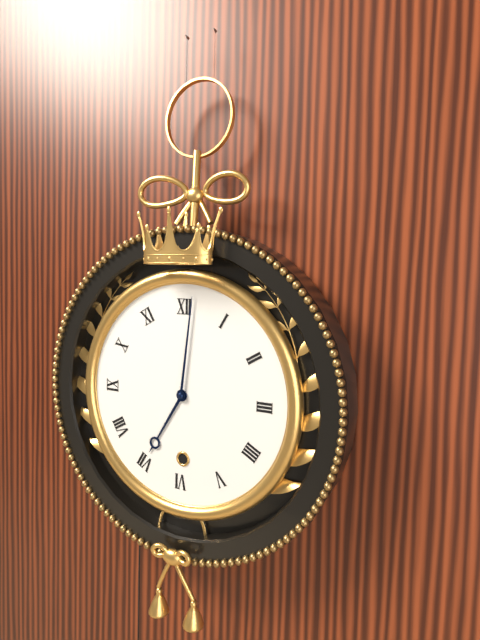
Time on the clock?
7:01
